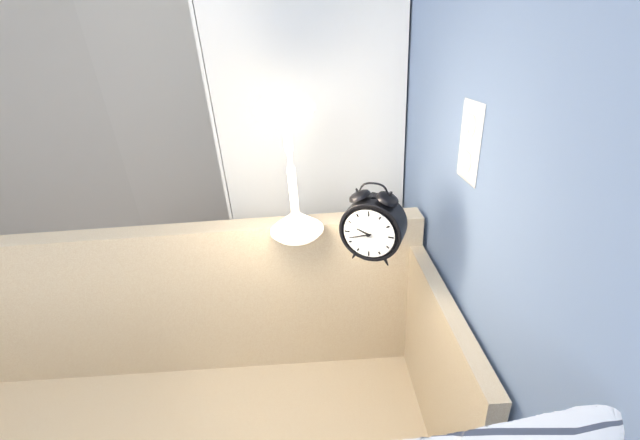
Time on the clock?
9:42
